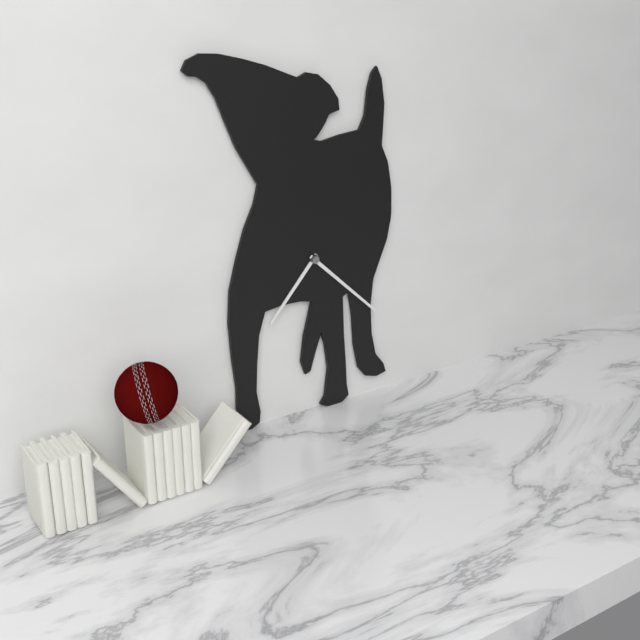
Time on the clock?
7:22
